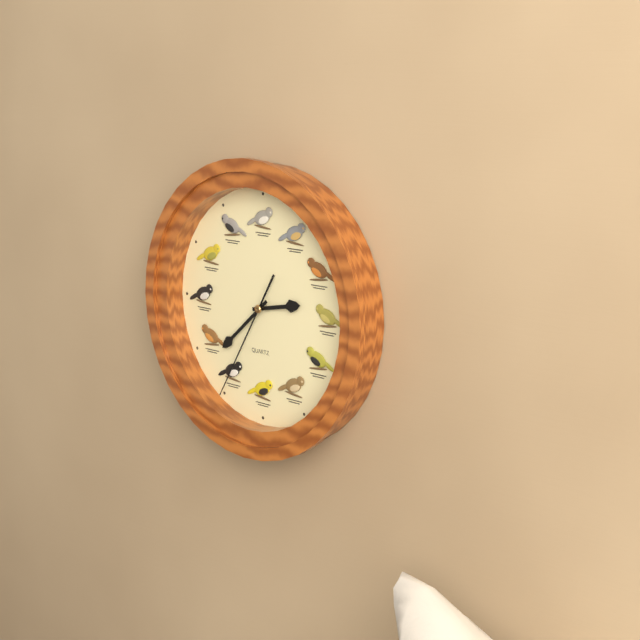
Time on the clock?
2:38:35
